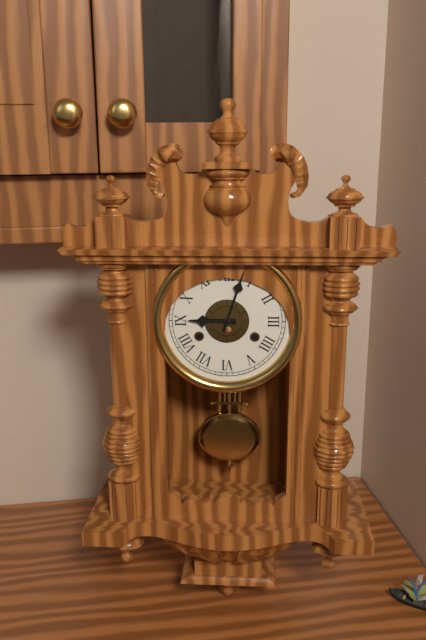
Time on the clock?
9:03
